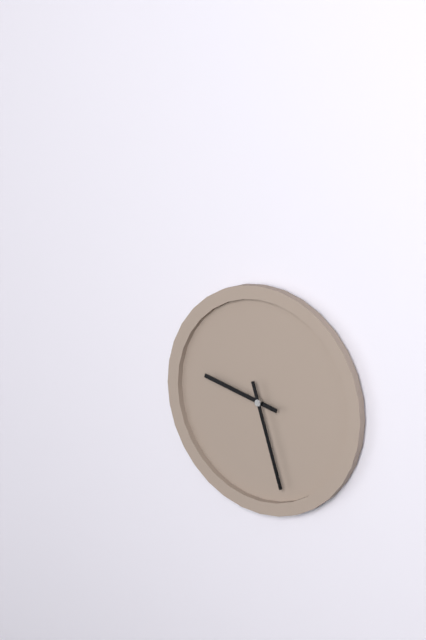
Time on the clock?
9:27
